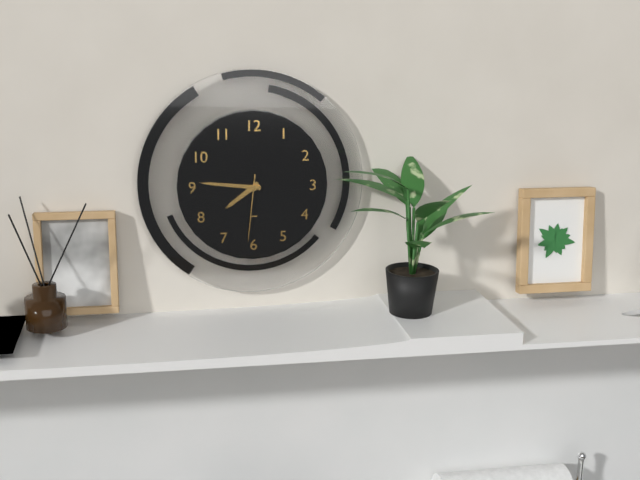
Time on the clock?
7:46:31
